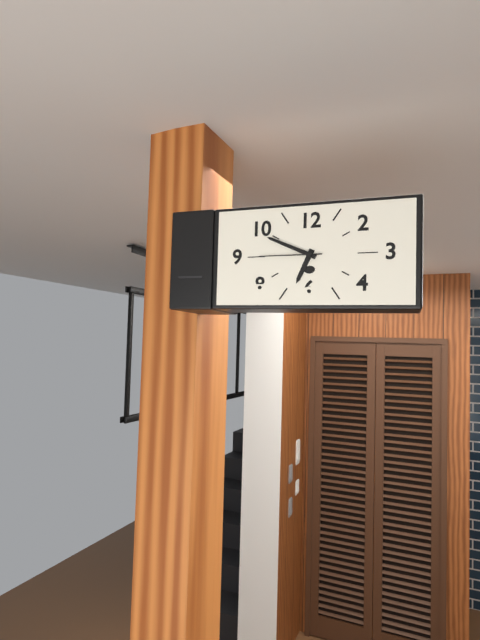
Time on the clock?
6:49:45
